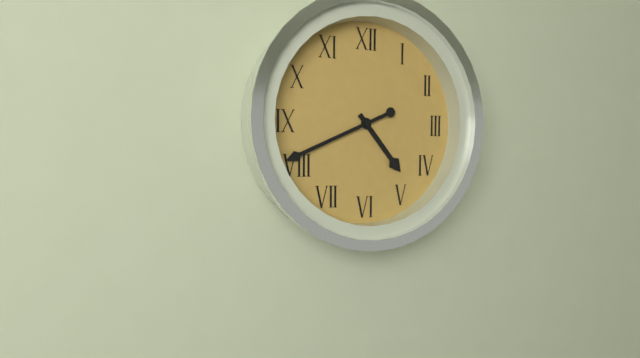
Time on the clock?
4:41
